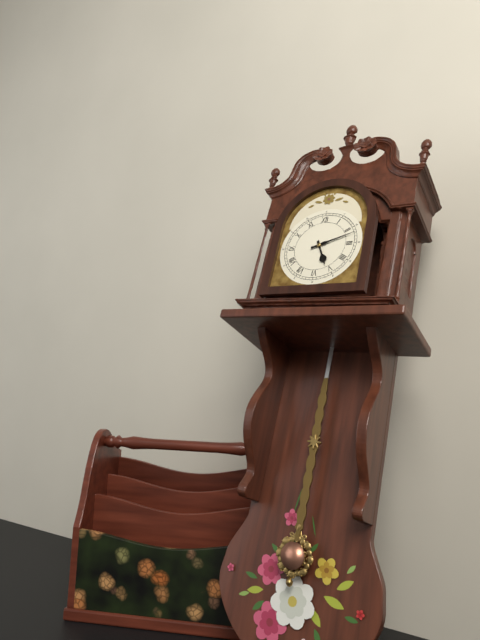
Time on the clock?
5:12
